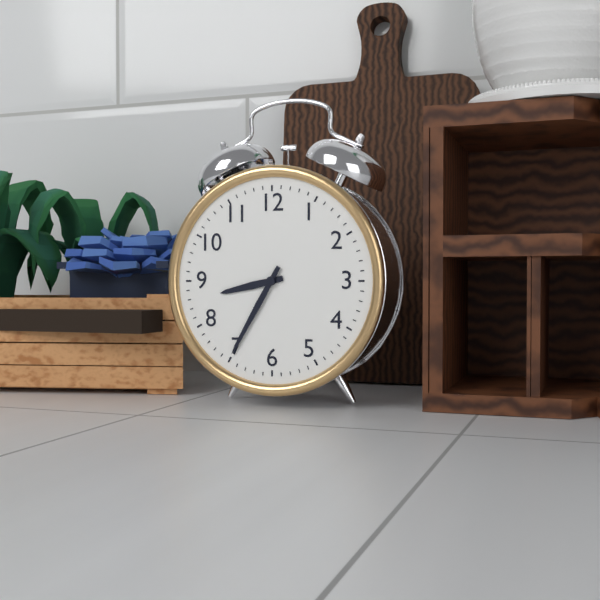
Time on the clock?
8:35
